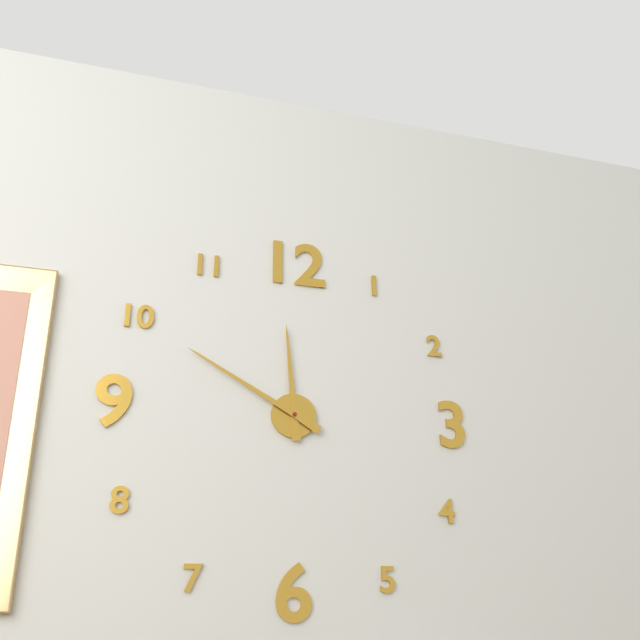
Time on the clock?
11:50
